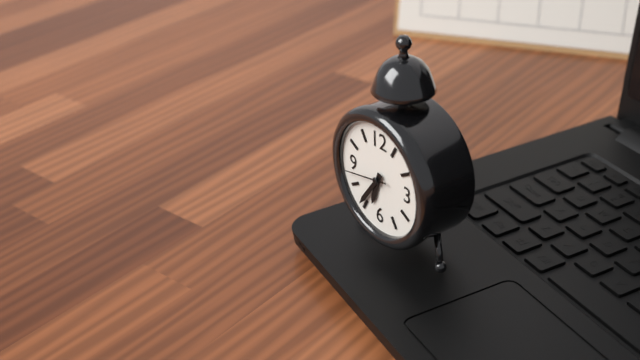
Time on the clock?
6:36:43
